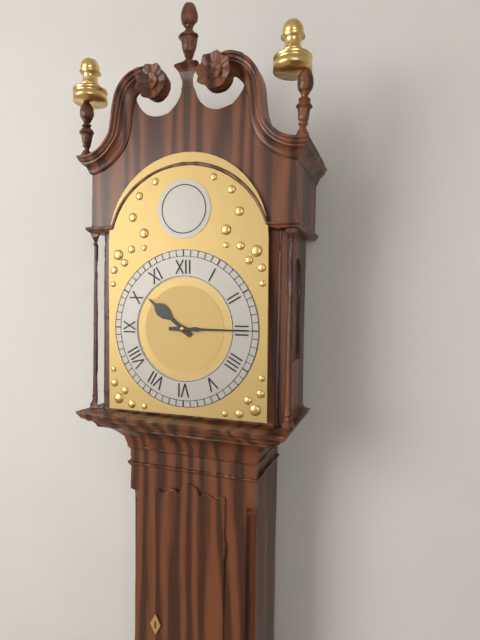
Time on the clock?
10:15
